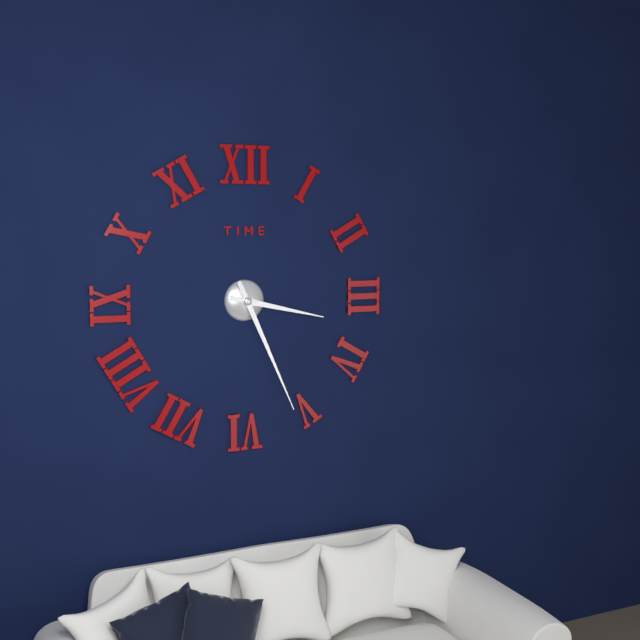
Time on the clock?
3:26
